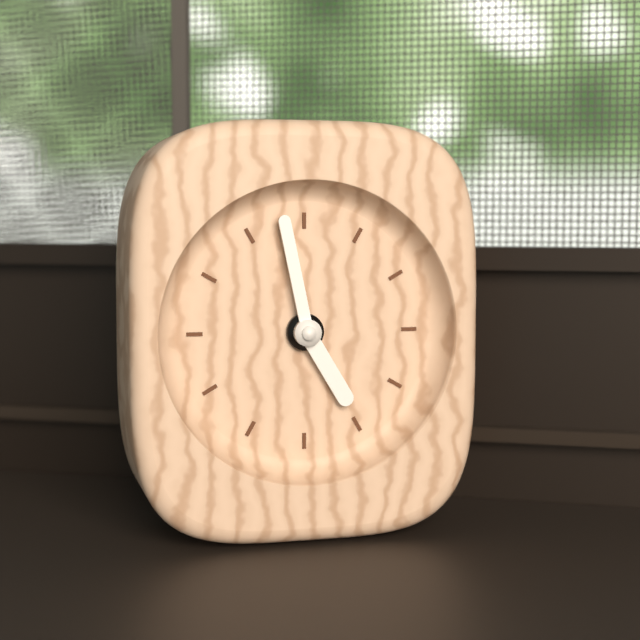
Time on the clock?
4:58
